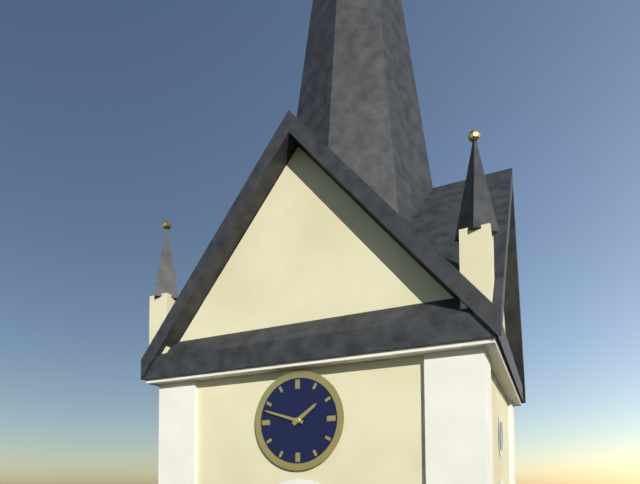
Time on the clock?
1:48
